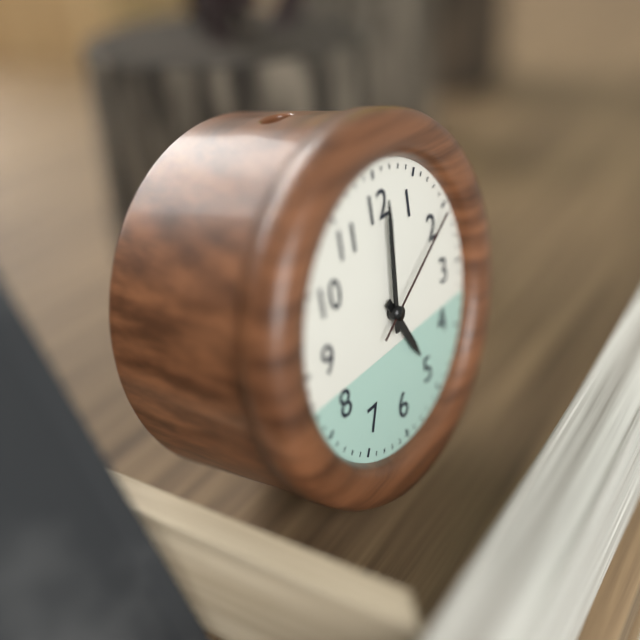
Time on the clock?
5:01:10
